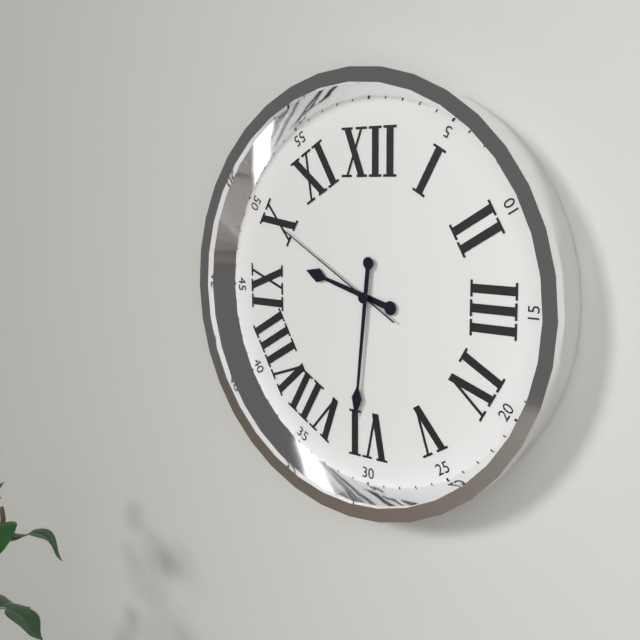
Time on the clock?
9:31:50
